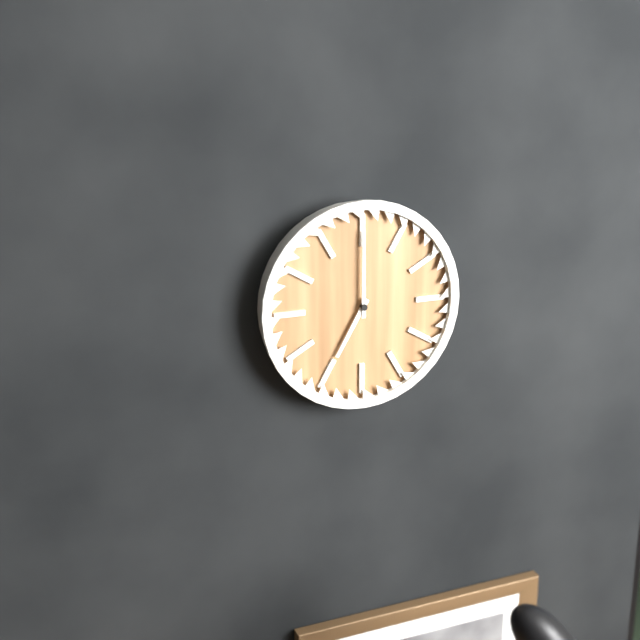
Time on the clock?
7:00
